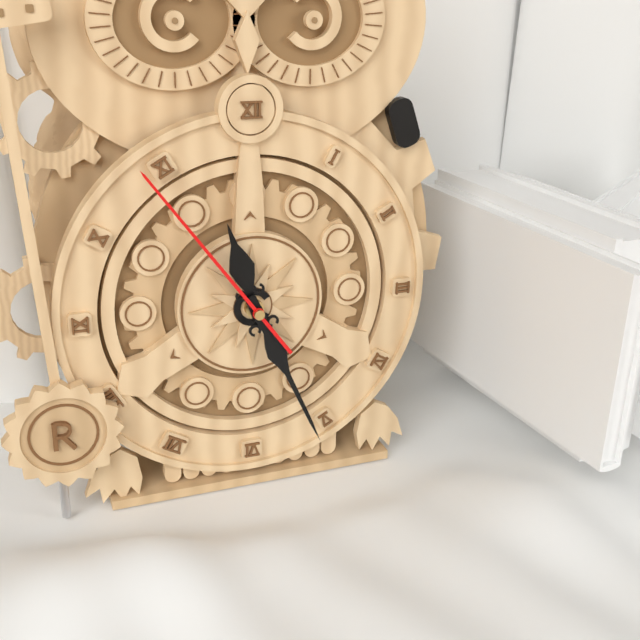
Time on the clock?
11:26:54
